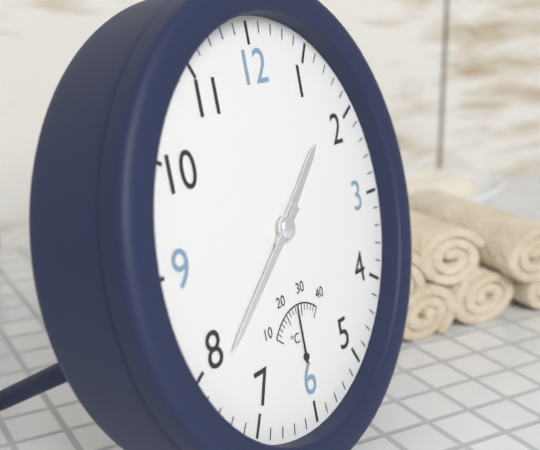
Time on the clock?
1:39
